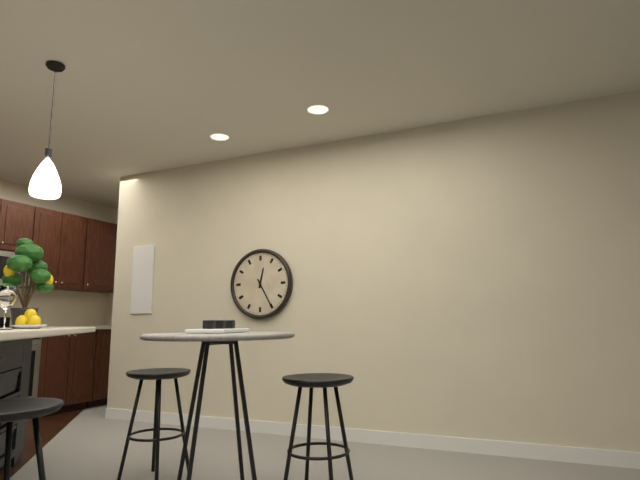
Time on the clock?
12:25
